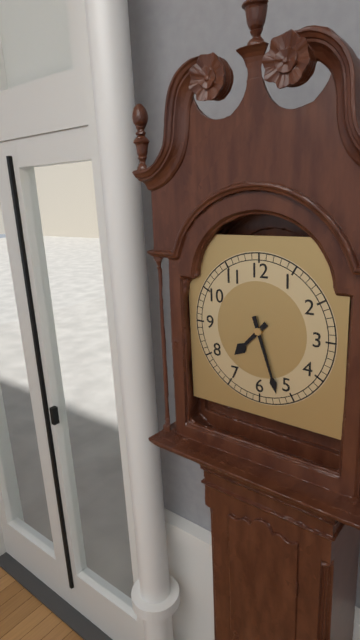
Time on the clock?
7:27
